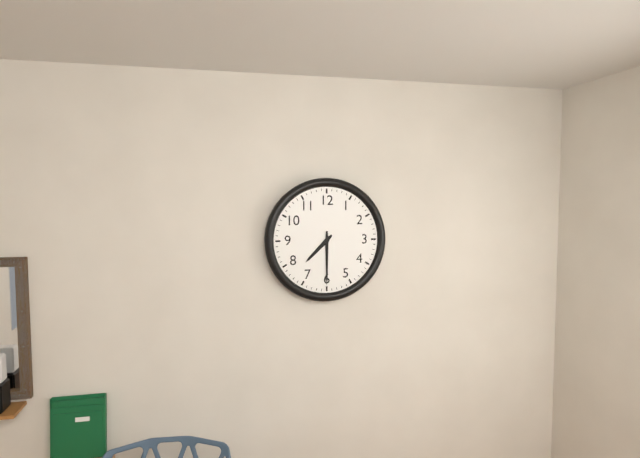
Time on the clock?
7:30
